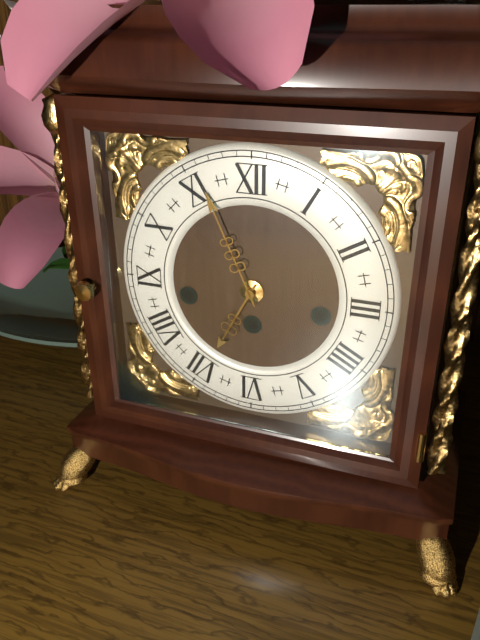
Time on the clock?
6:56
